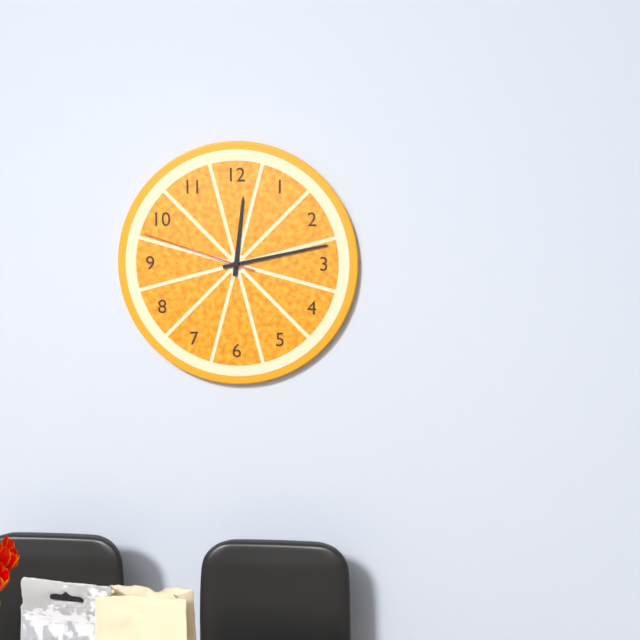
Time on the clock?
12:13:48
